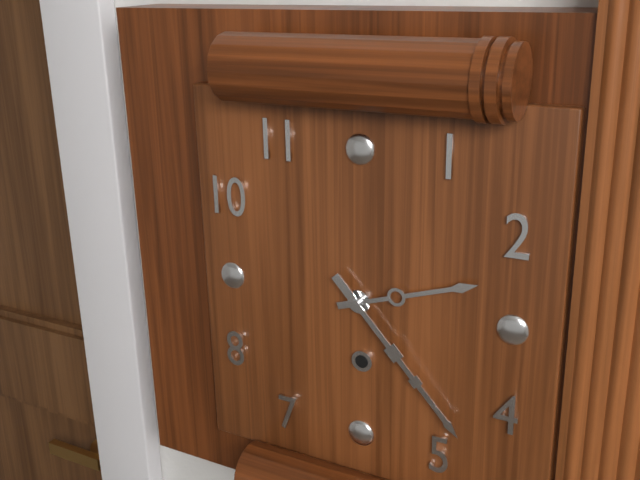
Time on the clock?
2:23
